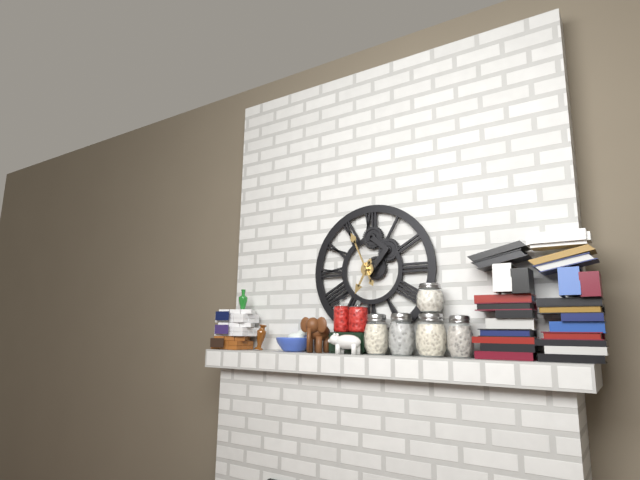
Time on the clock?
6:56
